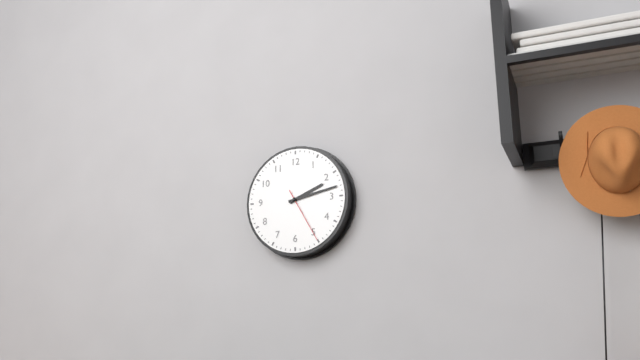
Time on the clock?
2:13:25
